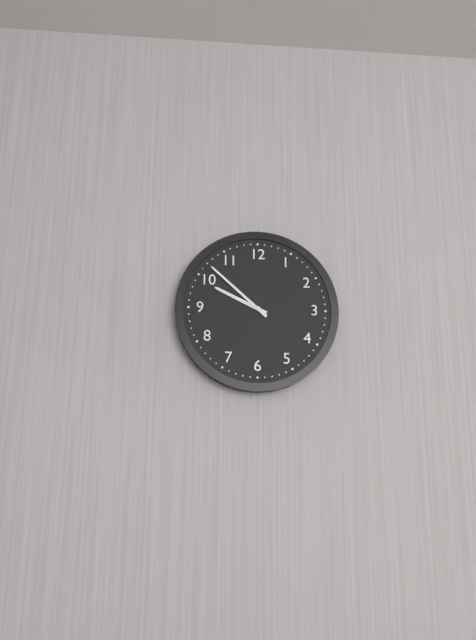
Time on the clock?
9:52
